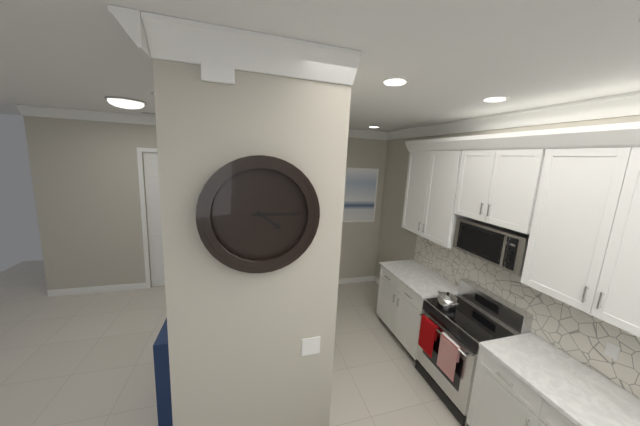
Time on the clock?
4:15
